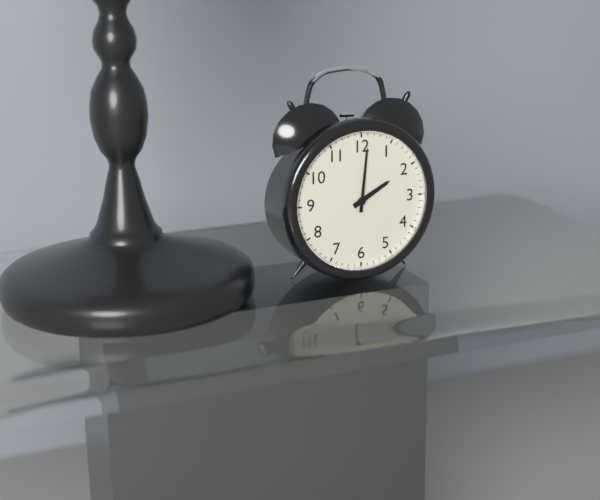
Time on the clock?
2:01
